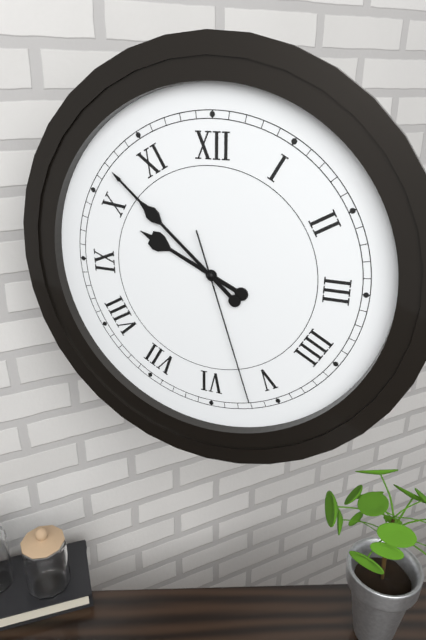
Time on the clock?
9:52:27
